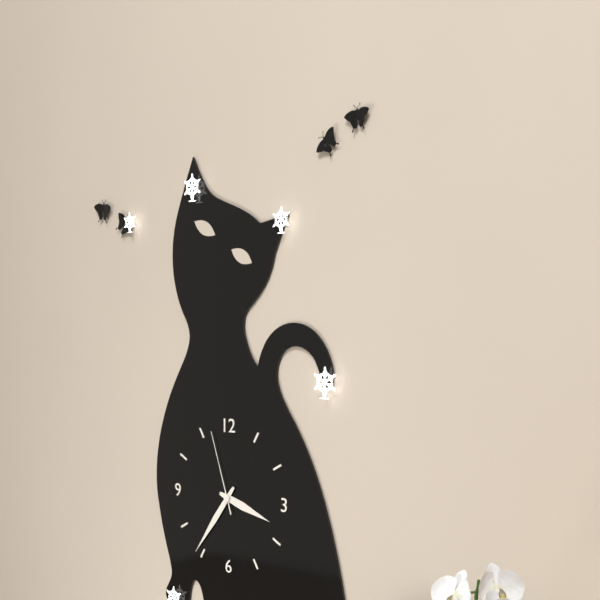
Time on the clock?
3:36:57
